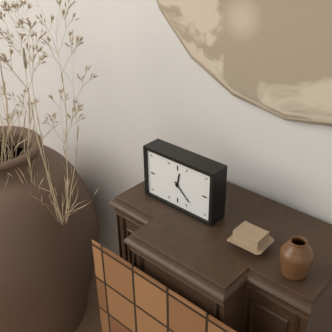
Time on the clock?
12:22
